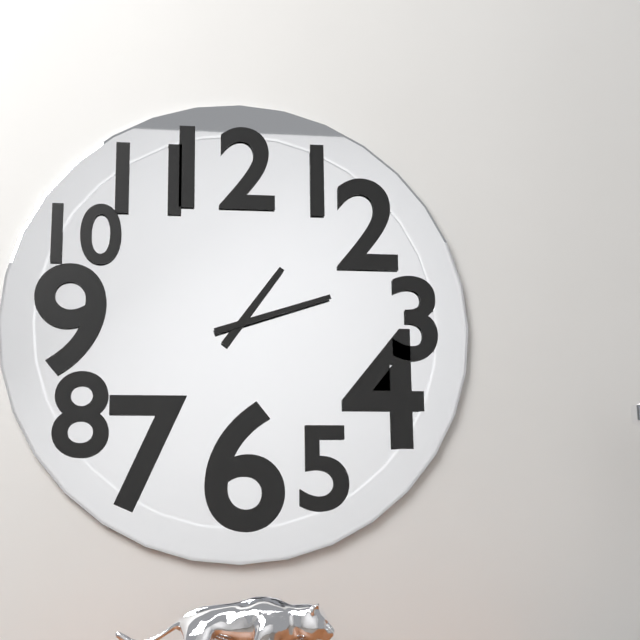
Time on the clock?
1:12
